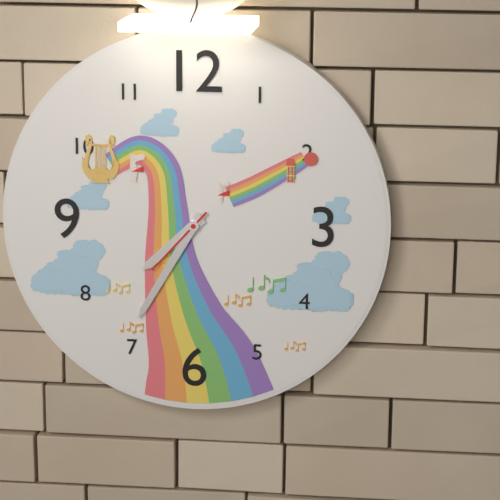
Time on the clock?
7:35:37
